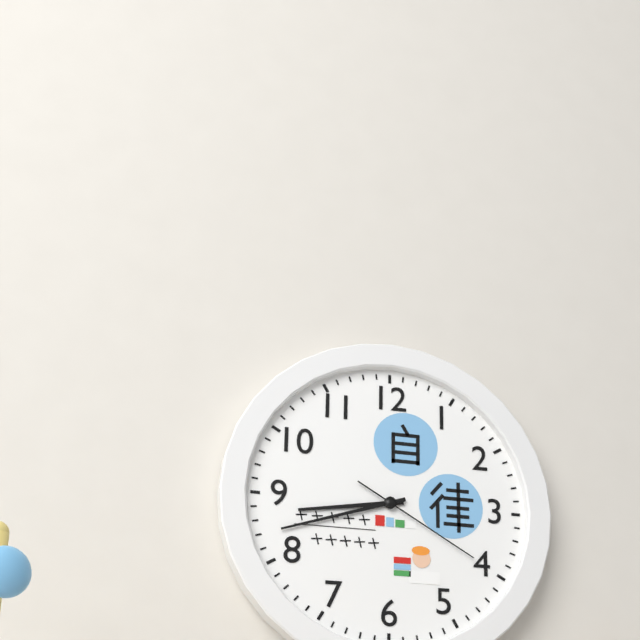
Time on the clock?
8:42:20
